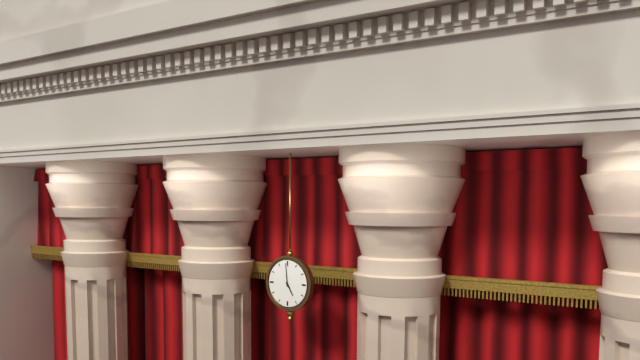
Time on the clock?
4:59
